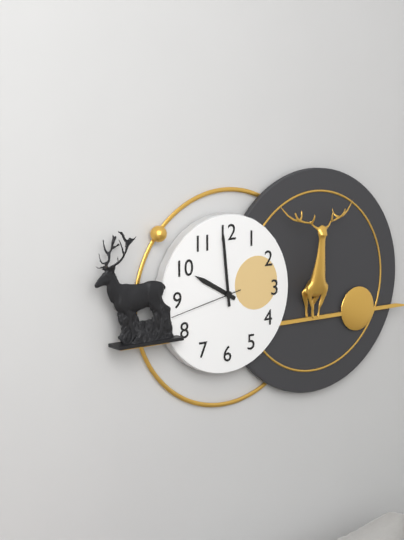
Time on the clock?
9:59:43
